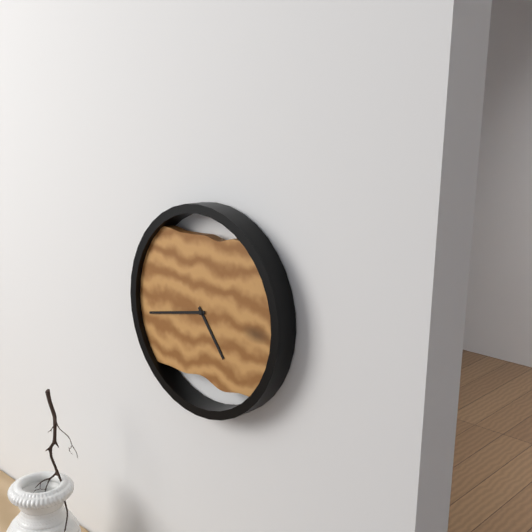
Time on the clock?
4:43
